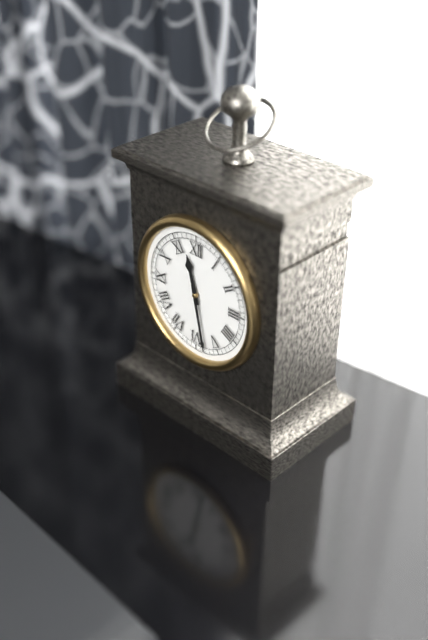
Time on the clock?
11:28
